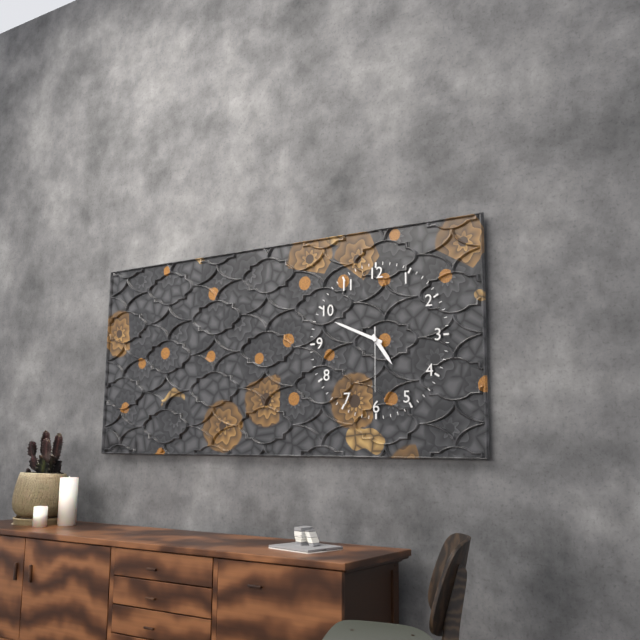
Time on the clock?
4:49:30
